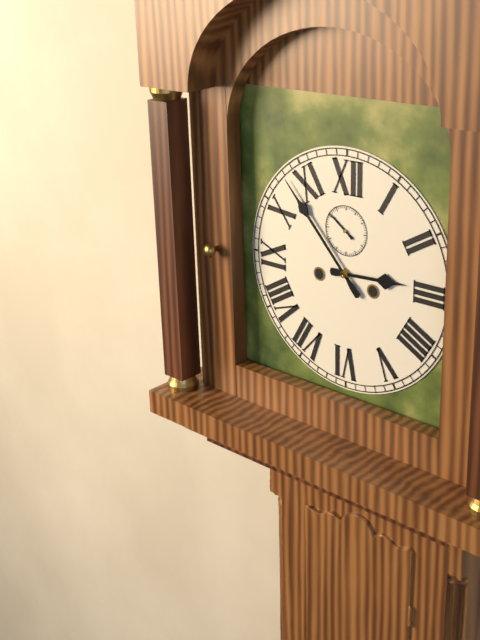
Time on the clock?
2:53
